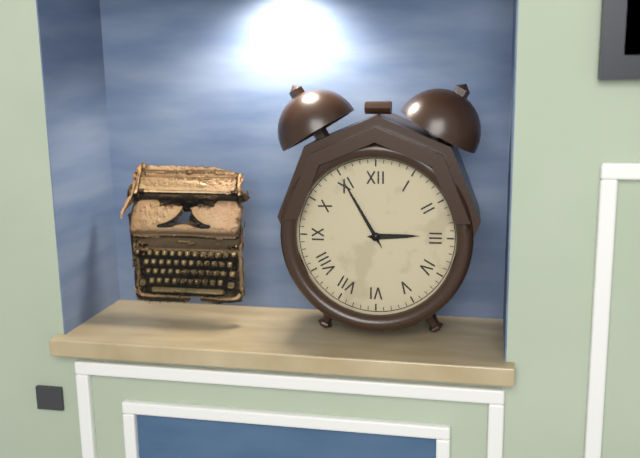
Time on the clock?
2:55
